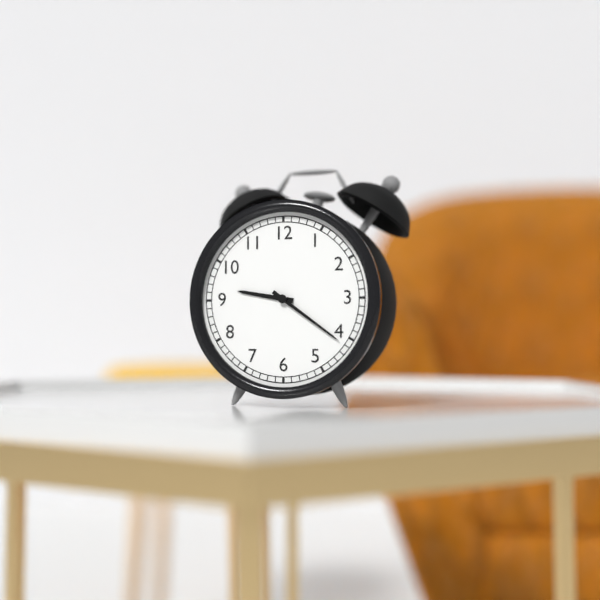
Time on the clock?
9:21
